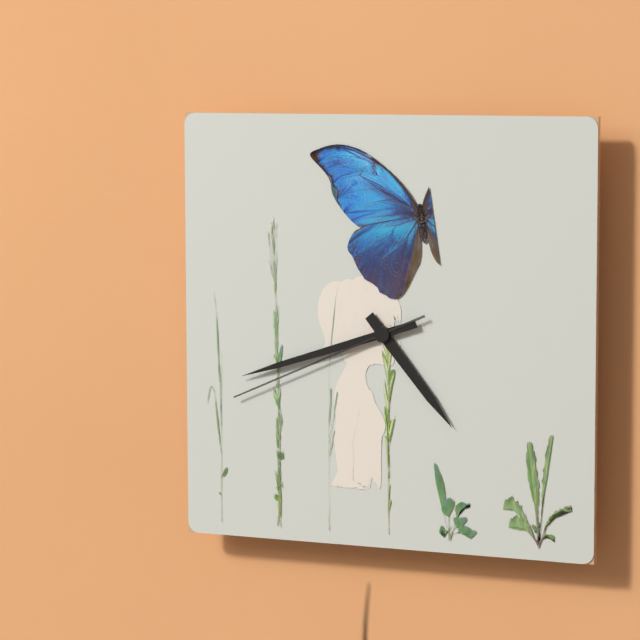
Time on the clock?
4:42:41
